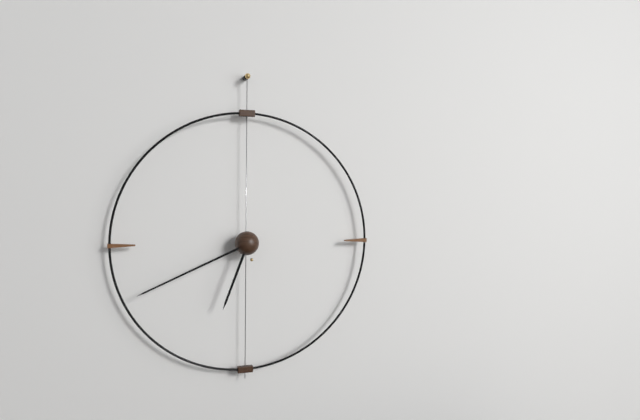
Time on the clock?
6:41
